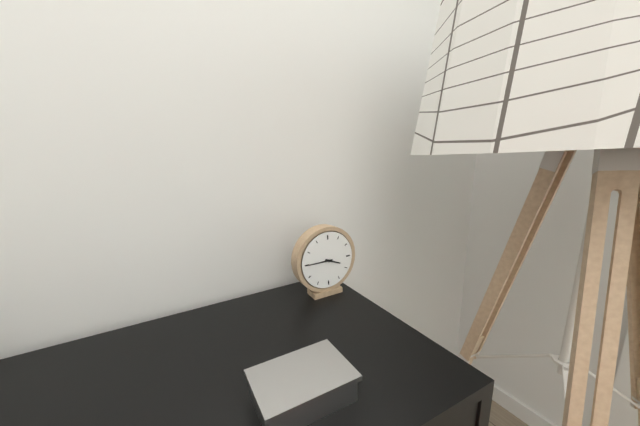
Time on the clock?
3:45
